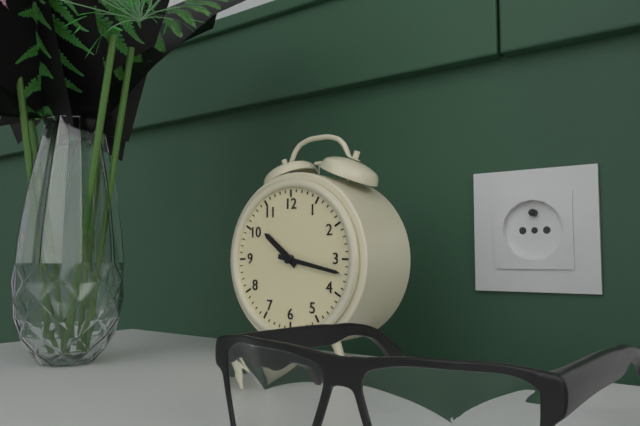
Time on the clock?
10:17
